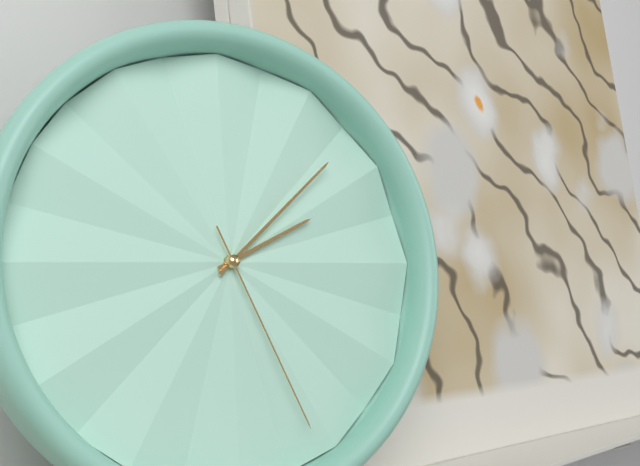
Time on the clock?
2:08:26
